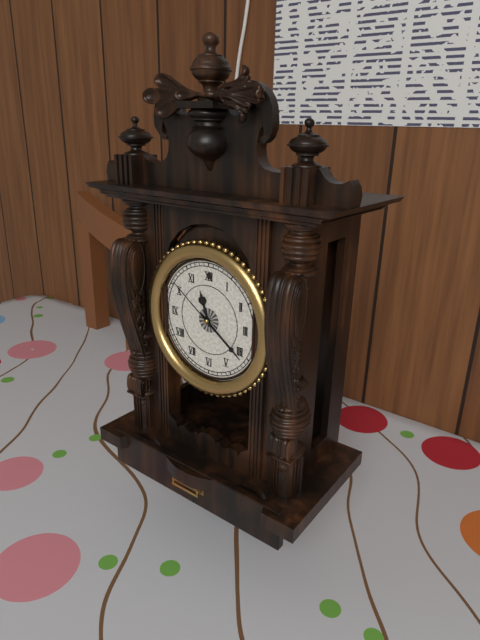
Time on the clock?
11:21:51
